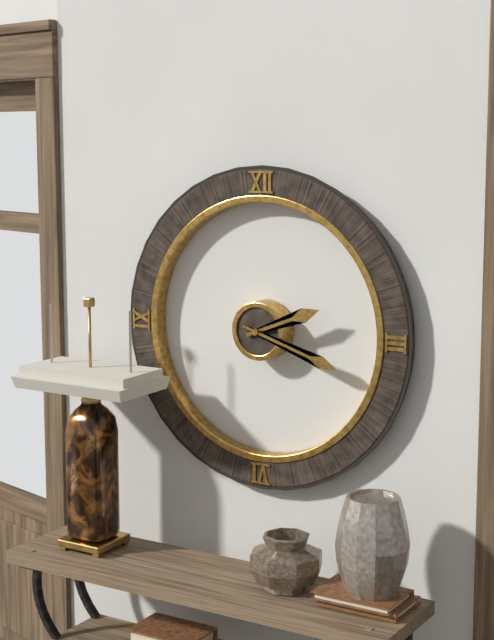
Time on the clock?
2:18
